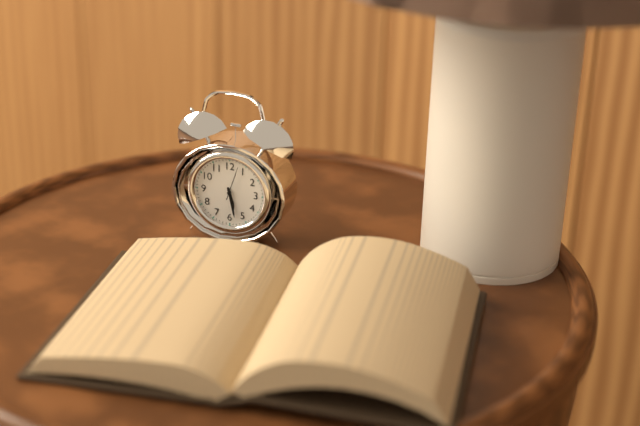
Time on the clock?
5:28
